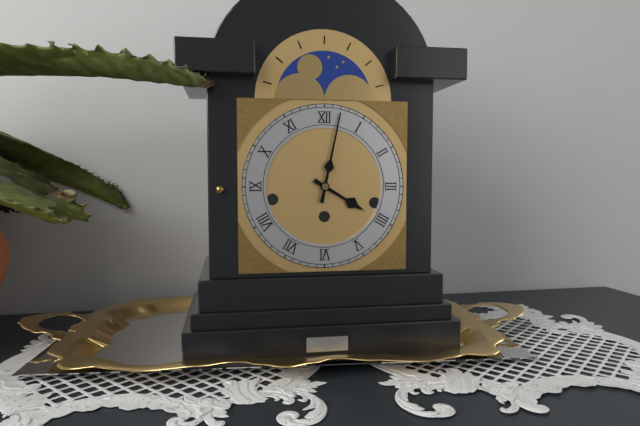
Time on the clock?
4:02
